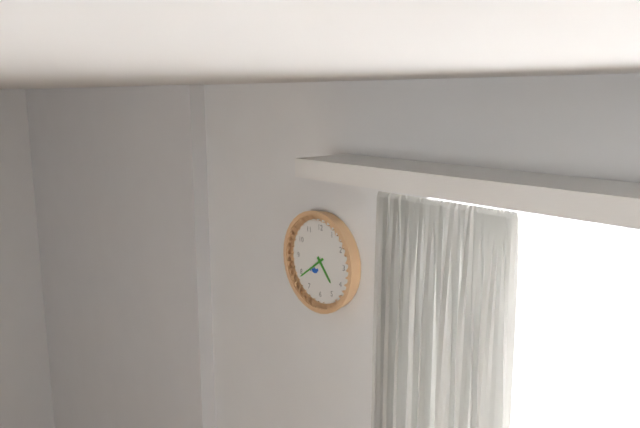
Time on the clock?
4:39
